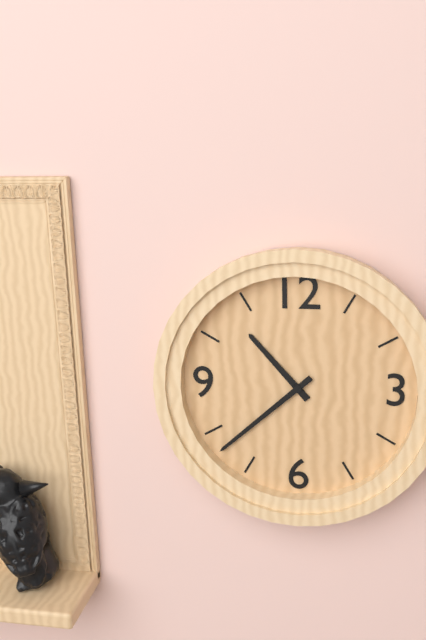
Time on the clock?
10:38
